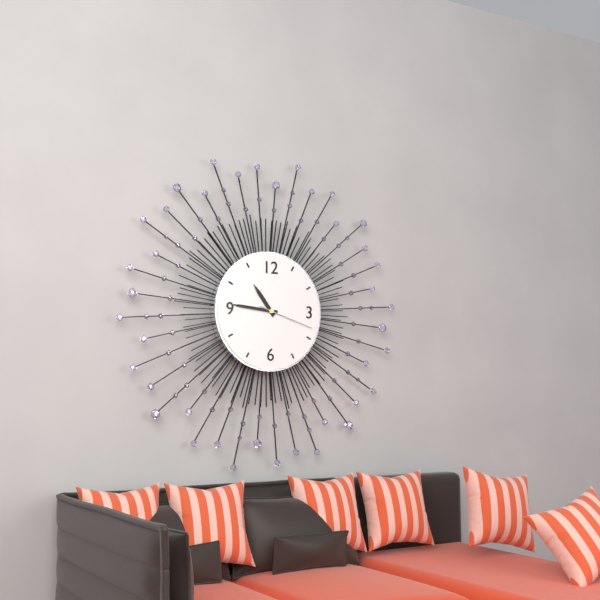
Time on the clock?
10:46:18
